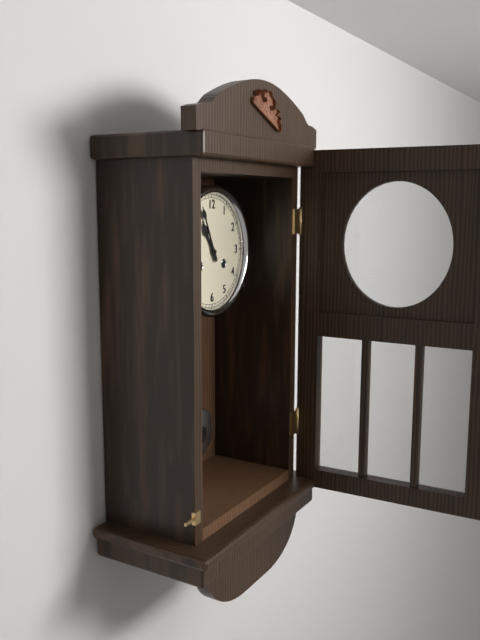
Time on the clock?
10:56
